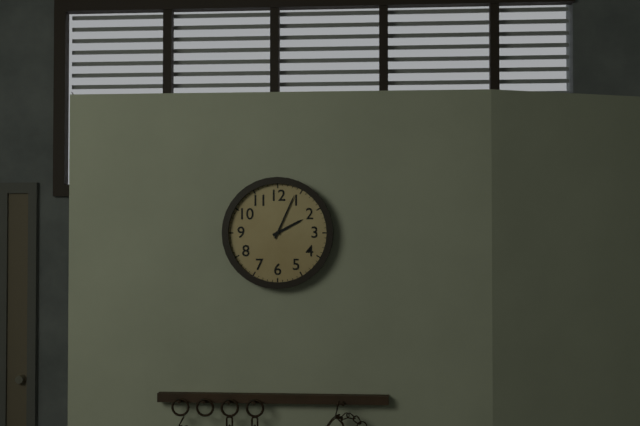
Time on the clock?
2:04
